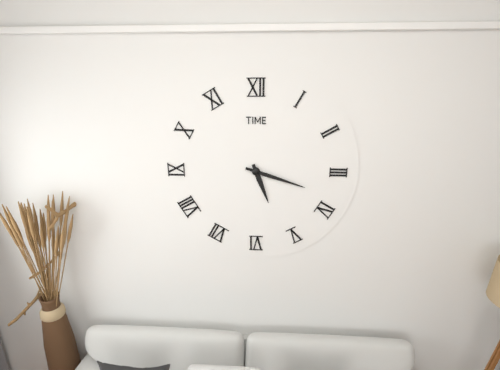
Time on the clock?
5:18
